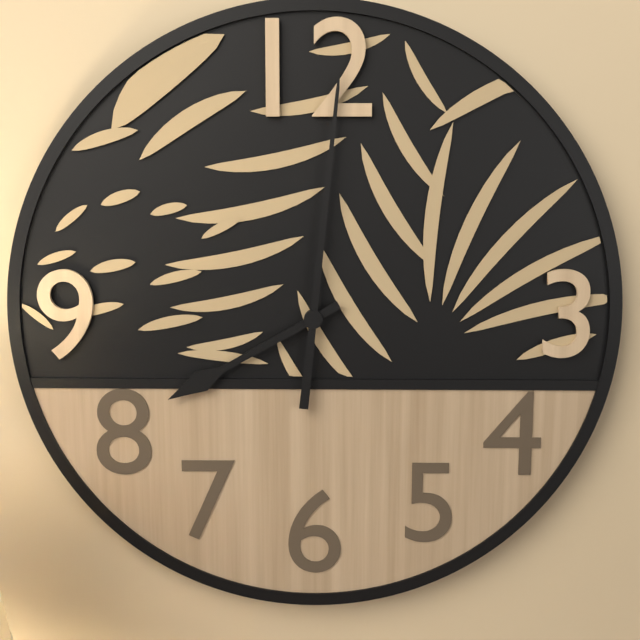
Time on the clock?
8:01
